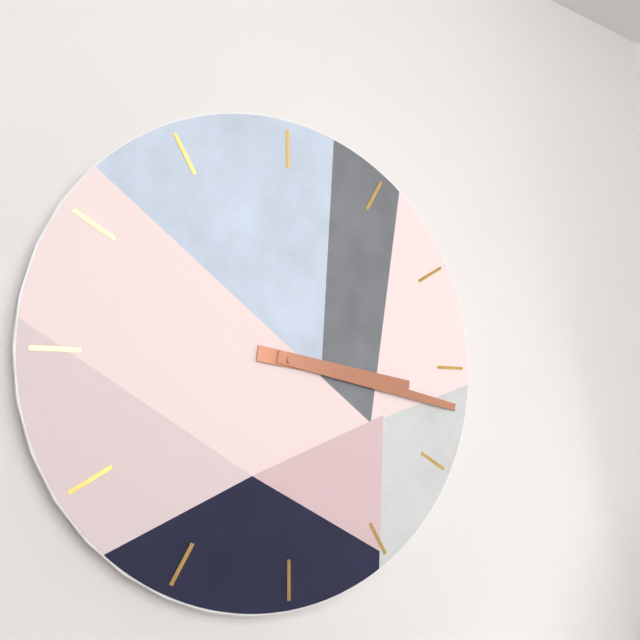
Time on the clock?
3:17
